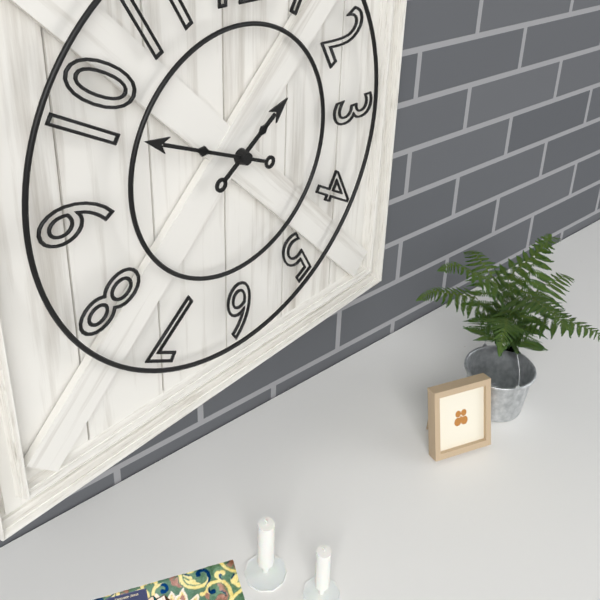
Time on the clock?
1:49
